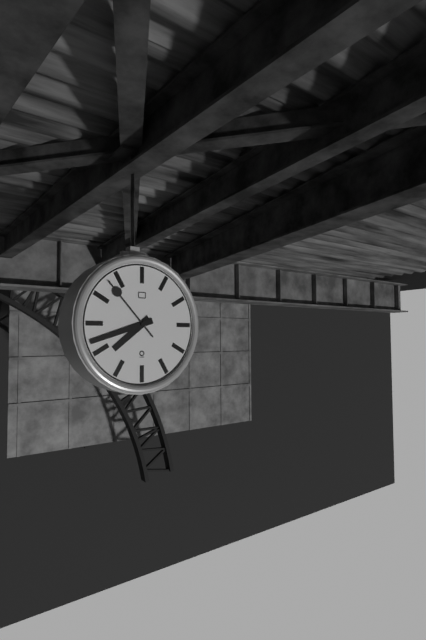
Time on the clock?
7:42:53
